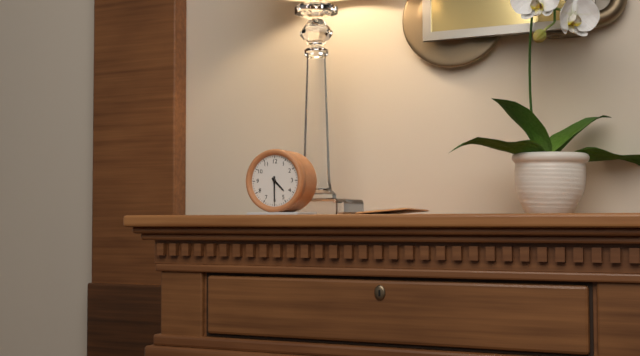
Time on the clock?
4:30
